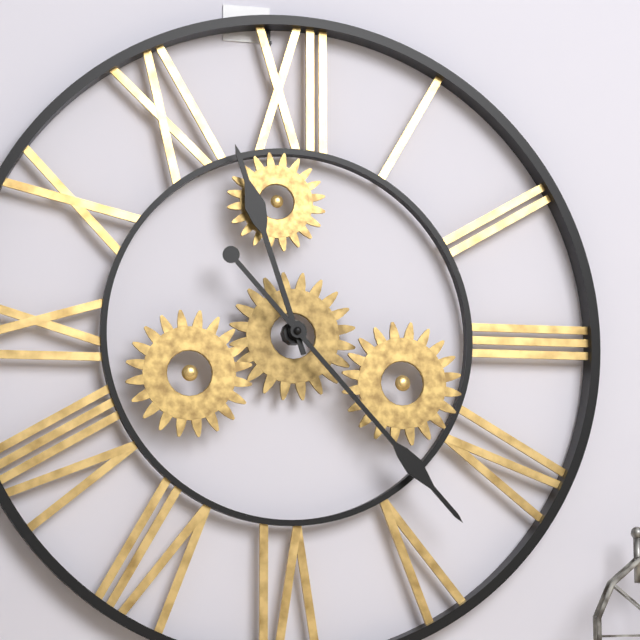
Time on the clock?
11:23
